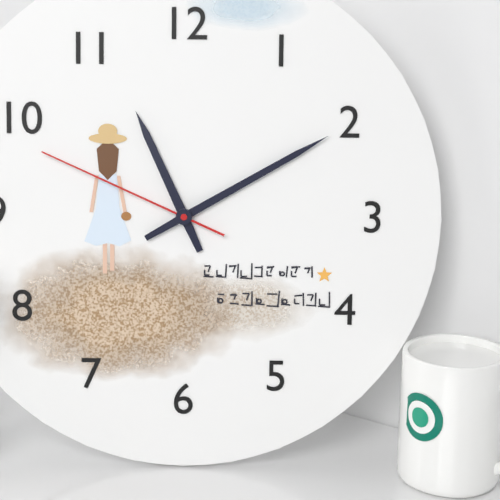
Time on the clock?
11:10:49
